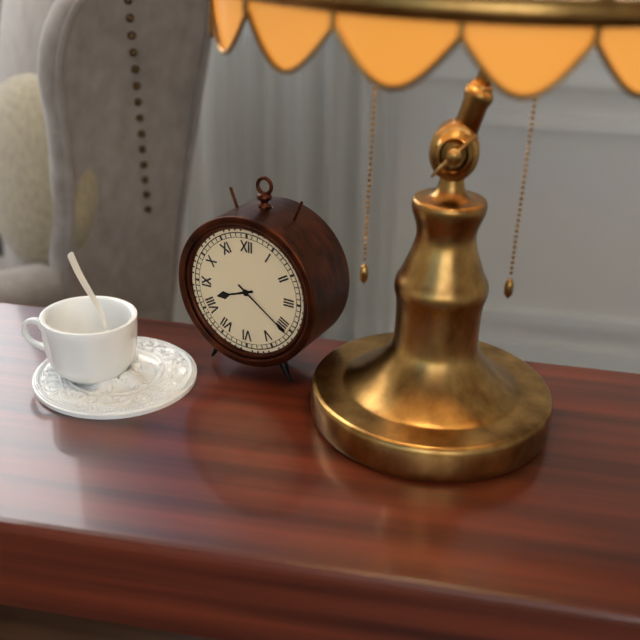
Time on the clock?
8:21
